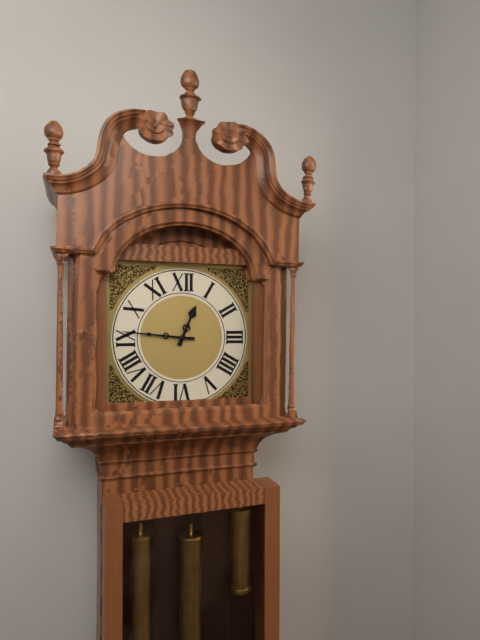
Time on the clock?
12:46
